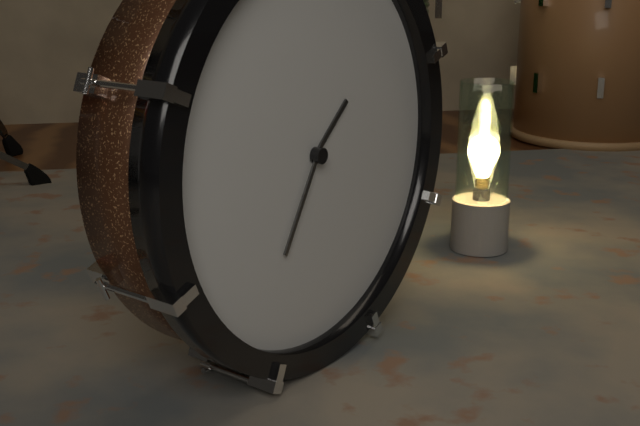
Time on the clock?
1:35
